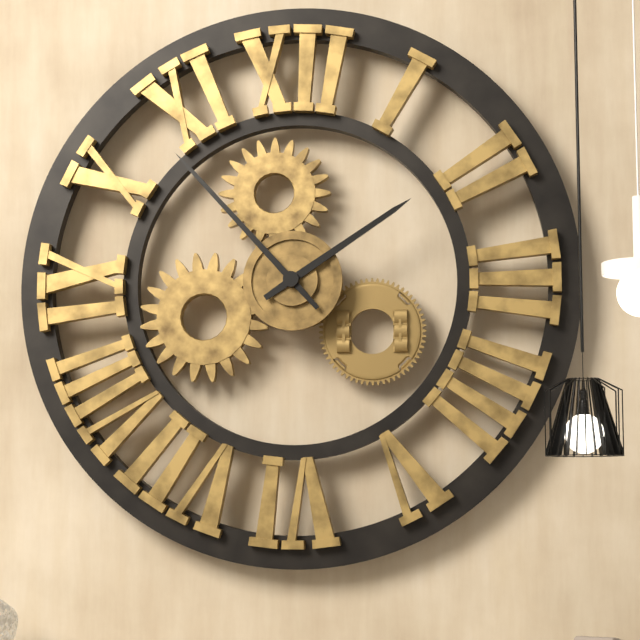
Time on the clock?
1:53
